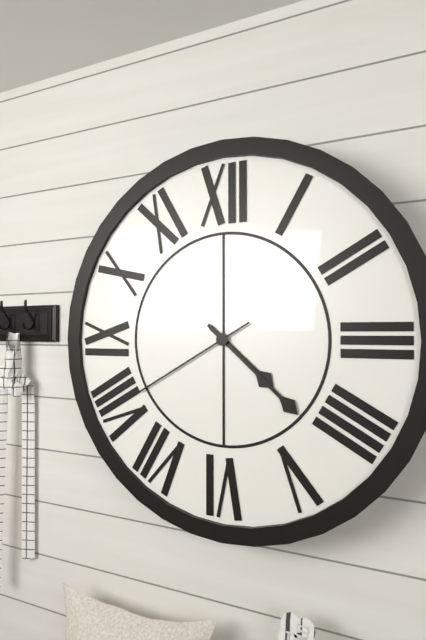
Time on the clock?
4:22:40
